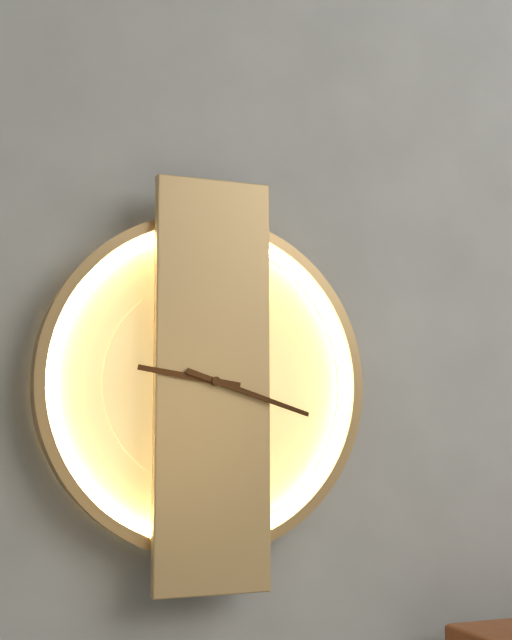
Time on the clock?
9:18
